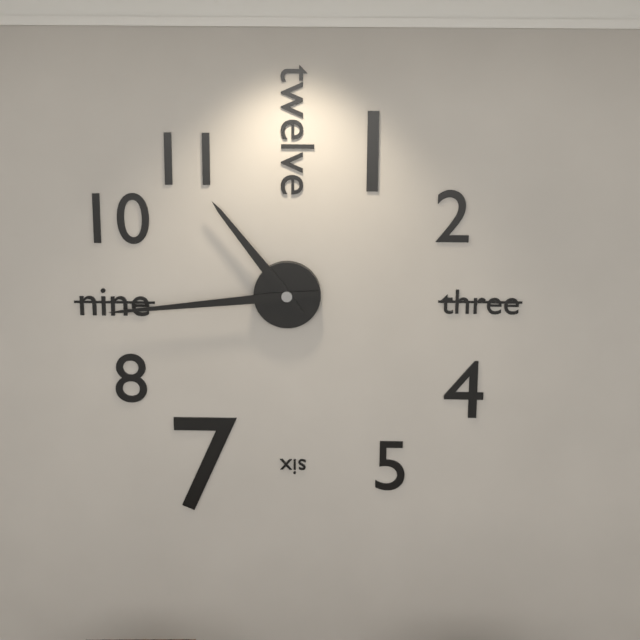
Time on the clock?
10:44
